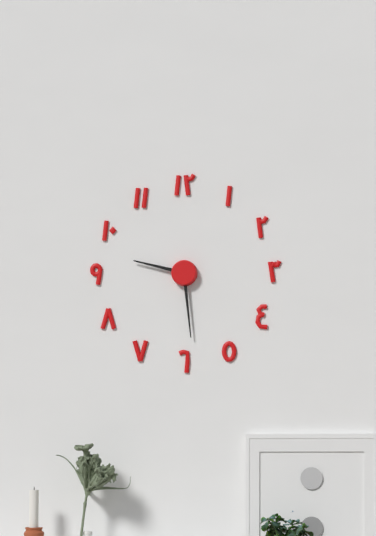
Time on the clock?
9:29
